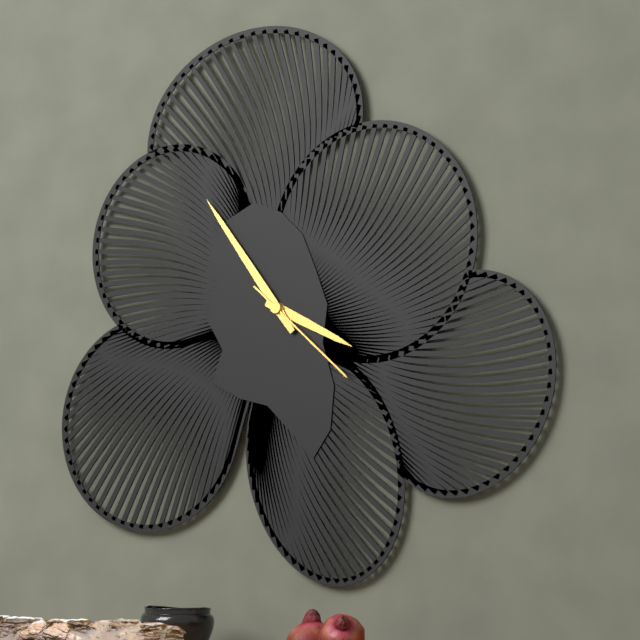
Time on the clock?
3:54:22
